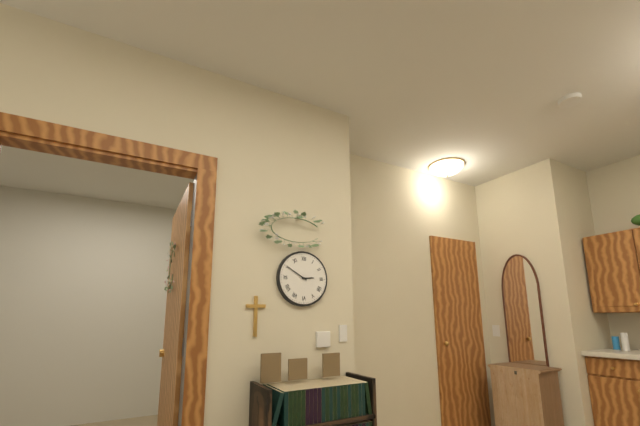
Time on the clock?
2:50
